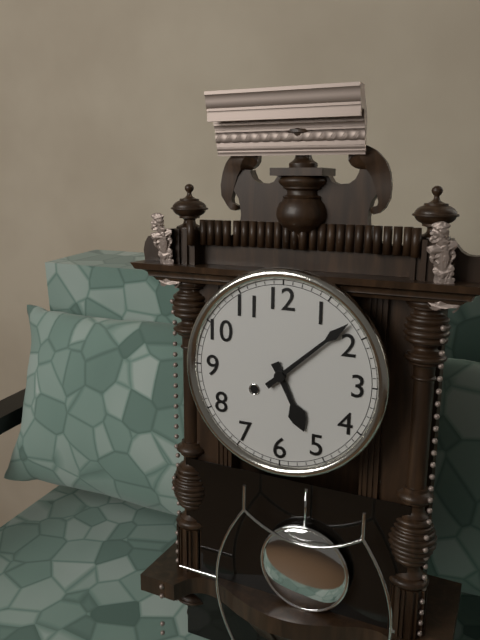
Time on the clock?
5:08
